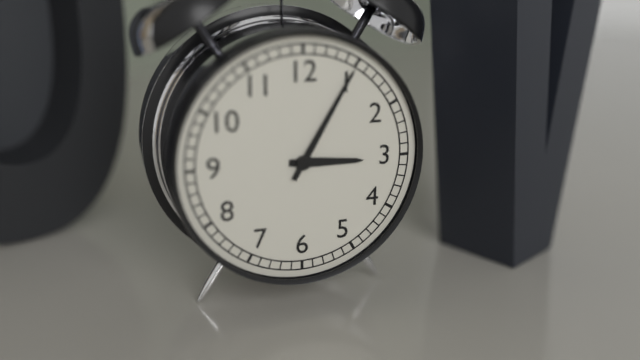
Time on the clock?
3:05
